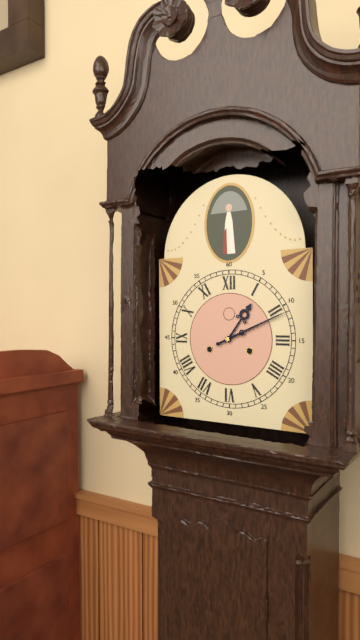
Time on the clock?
1:11
